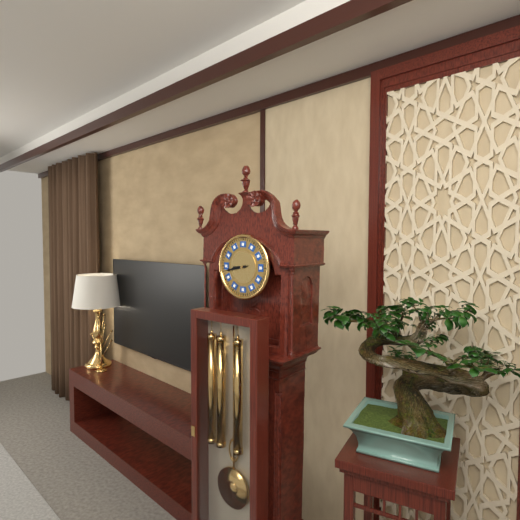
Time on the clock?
8:43
